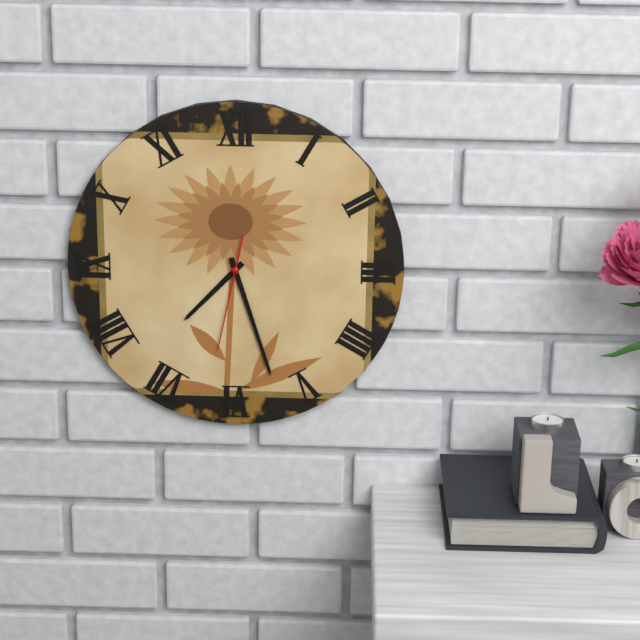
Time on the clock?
7:27:32
